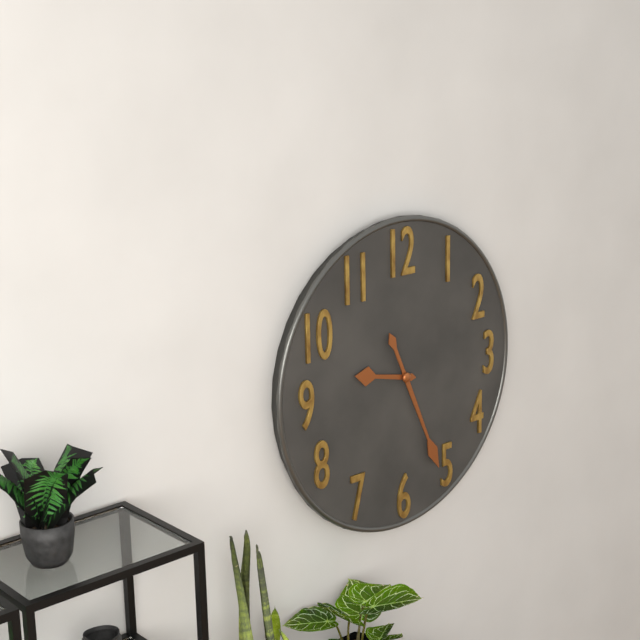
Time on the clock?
9:26
